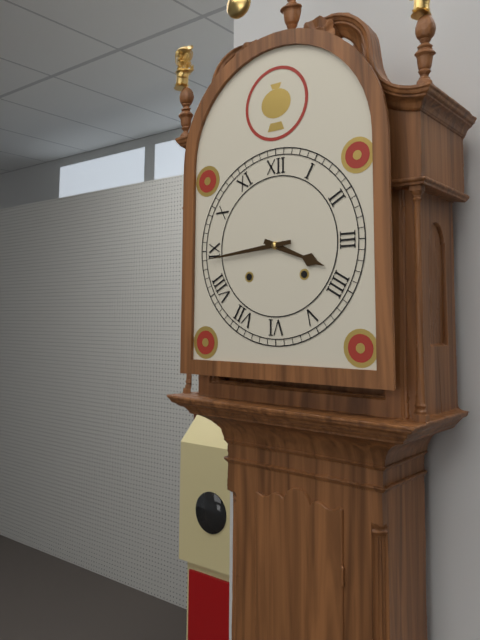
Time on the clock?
3:44
